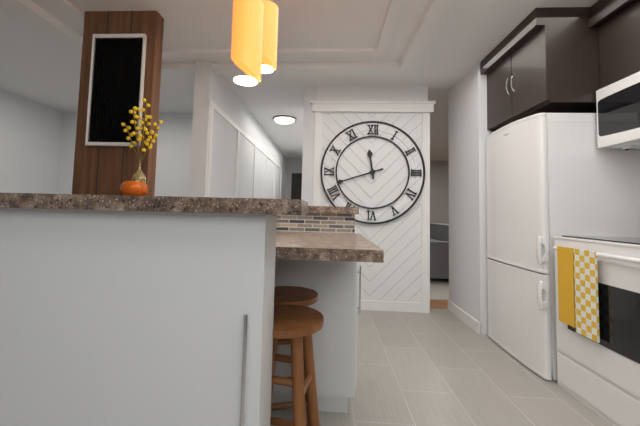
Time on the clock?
11:42
